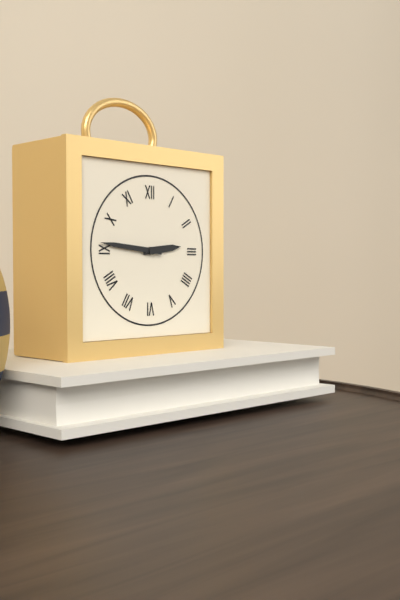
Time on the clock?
2:46
